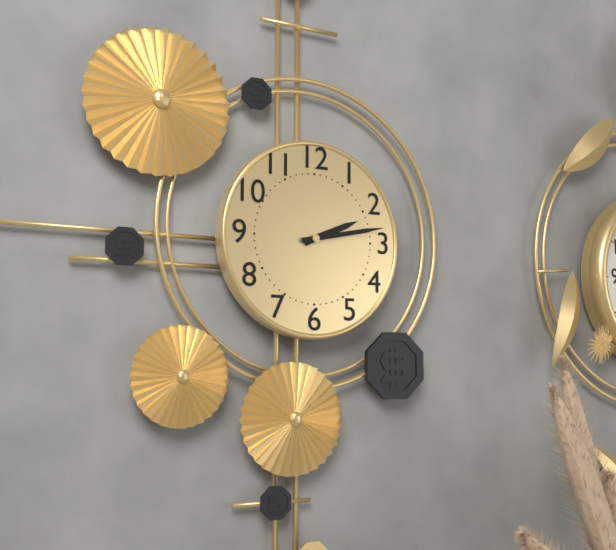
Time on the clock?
2:13
